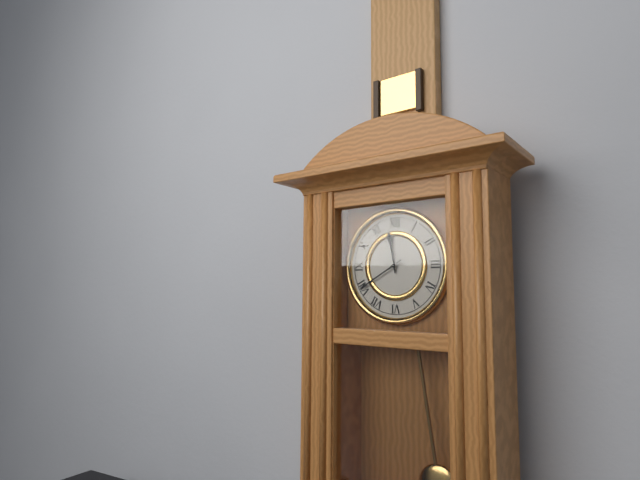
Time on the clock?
11:40
